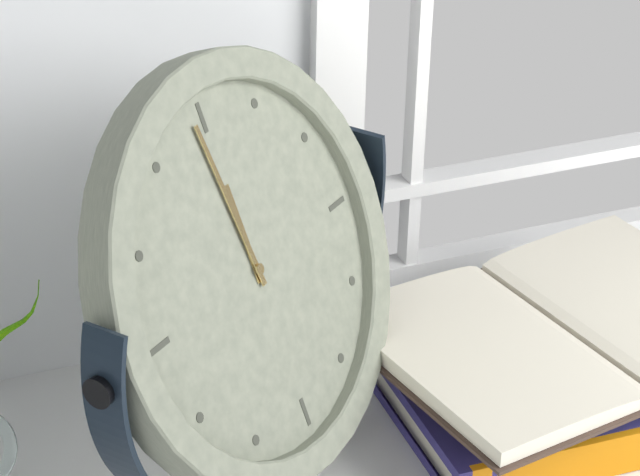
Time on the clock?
11:59
